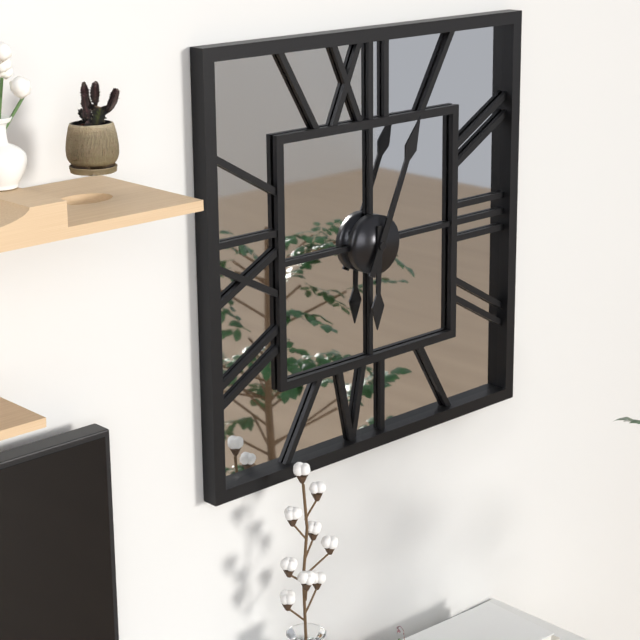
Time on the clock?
6:04
